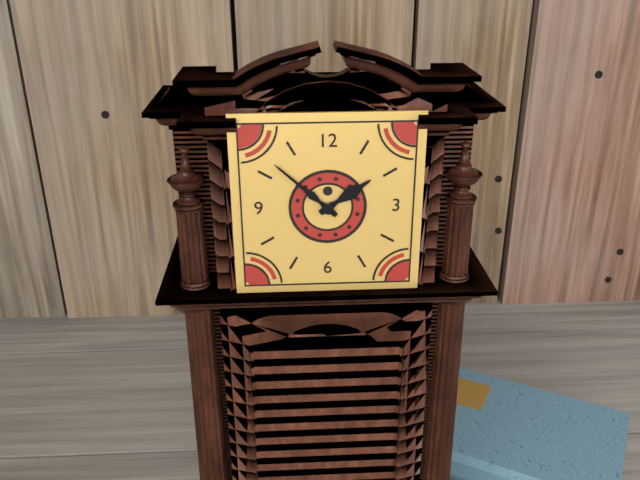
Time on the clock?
1:52
